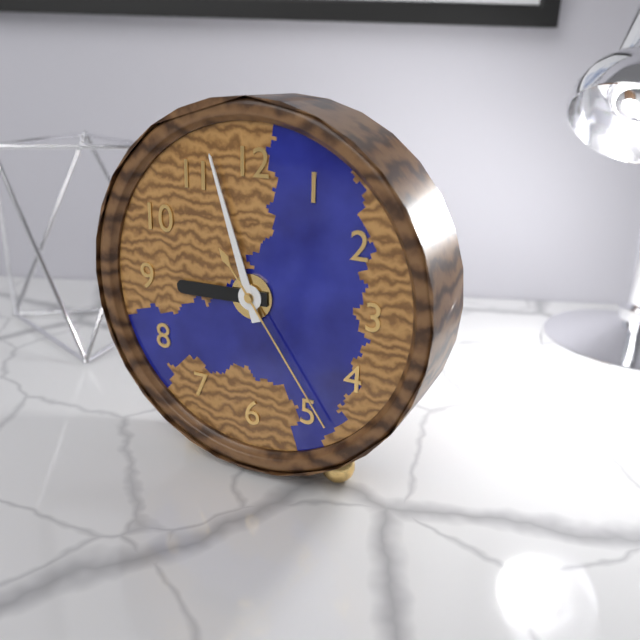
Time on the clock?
8:57:24
